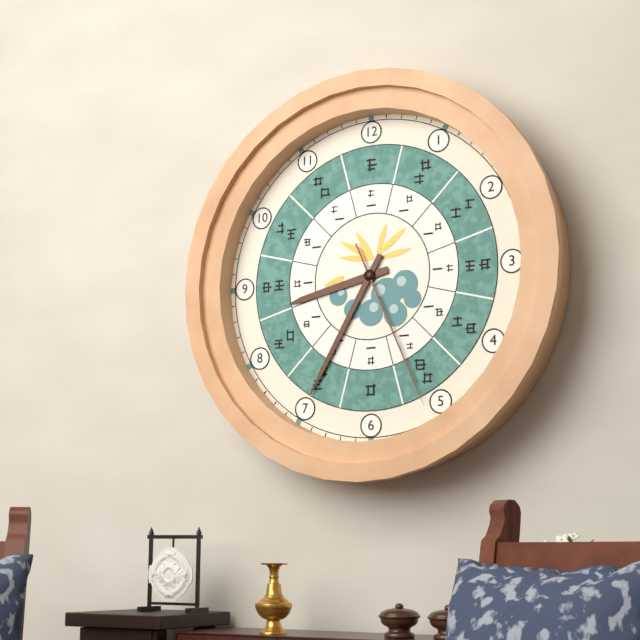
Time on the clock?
8:35:26
